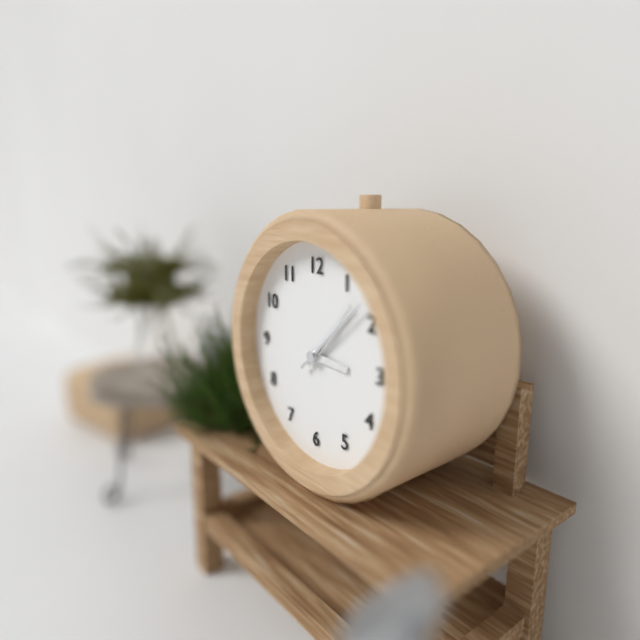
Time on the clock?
3:07:08
